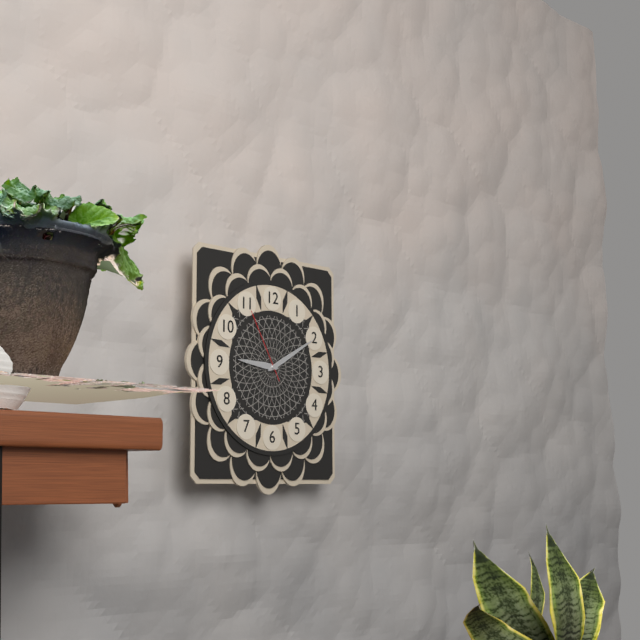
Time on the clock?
9:10:55
